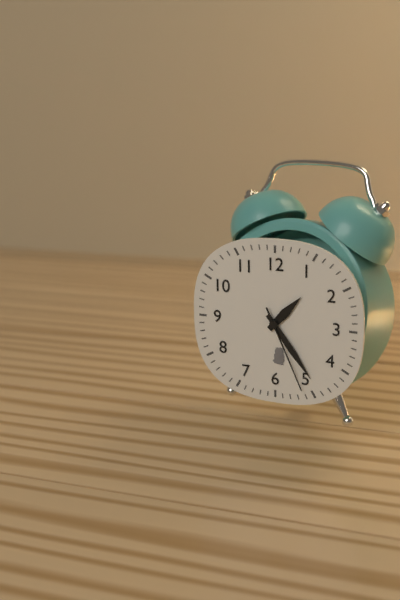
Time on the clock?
1:24:26
